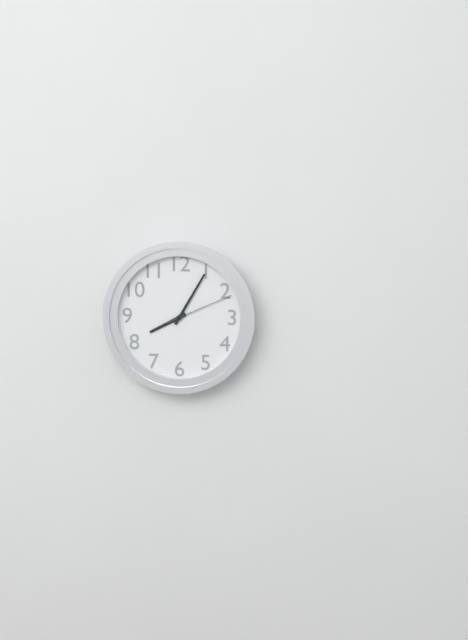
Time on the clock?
8:05:11
